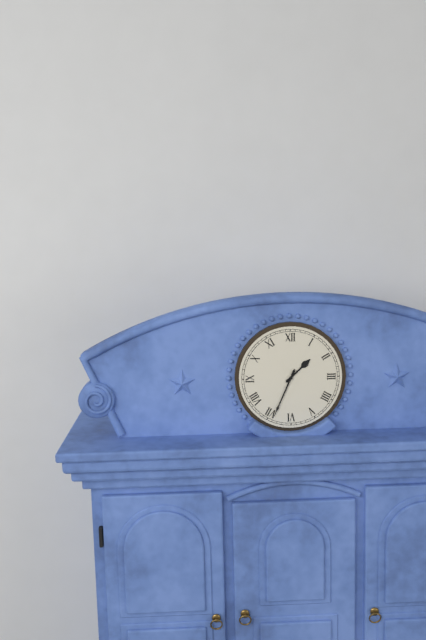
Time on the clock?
1:34
